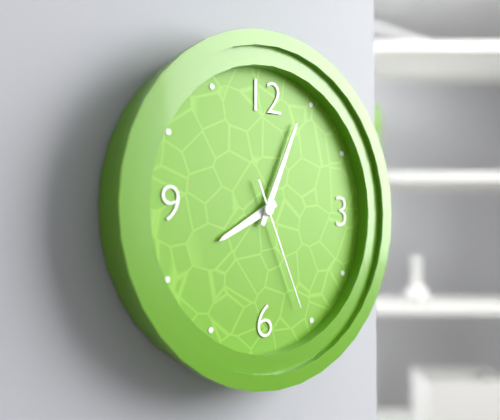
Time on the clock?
8:04:26
